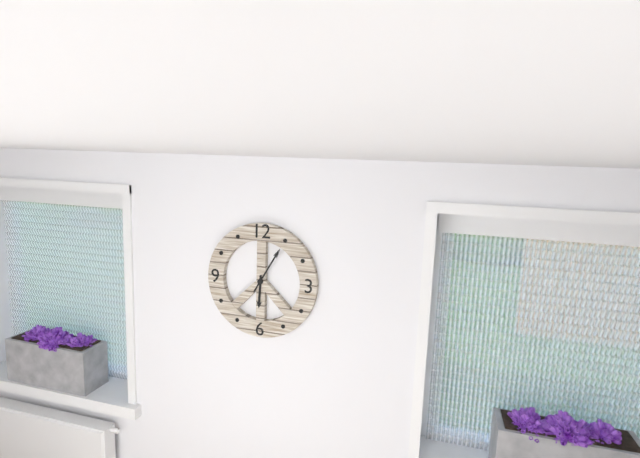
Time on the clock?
6:05
